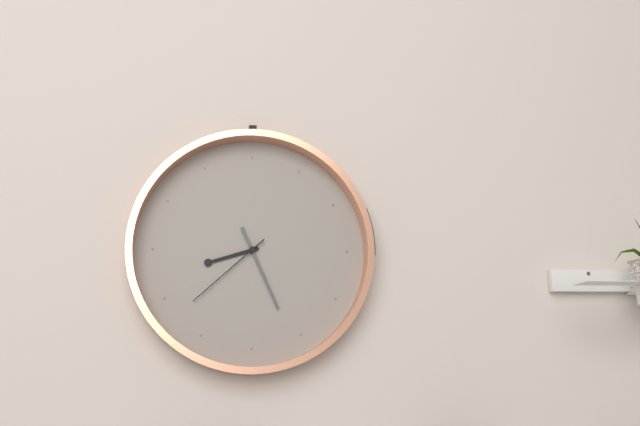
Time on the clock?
8:26:38
